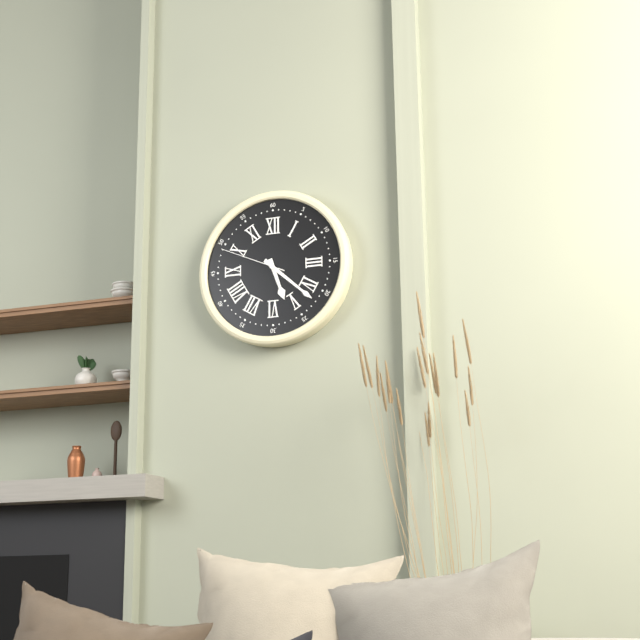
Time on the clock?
5:22:49
